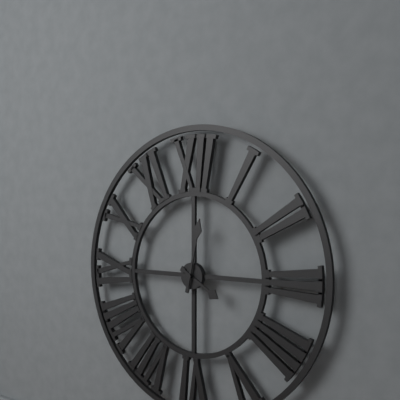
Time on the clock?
4:02
